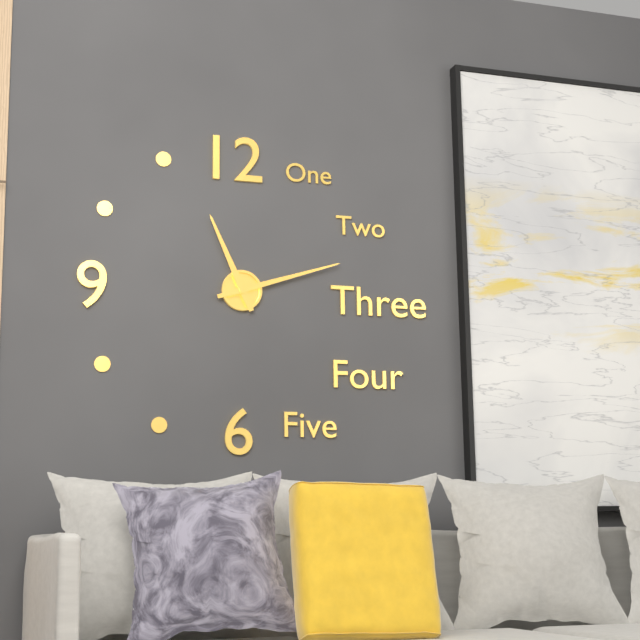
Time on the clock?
11:12
